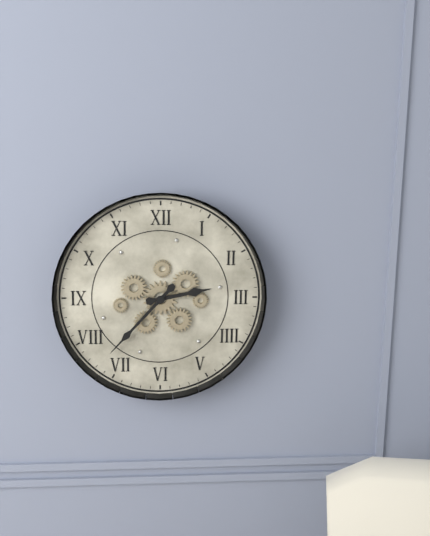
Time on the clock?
2:37
